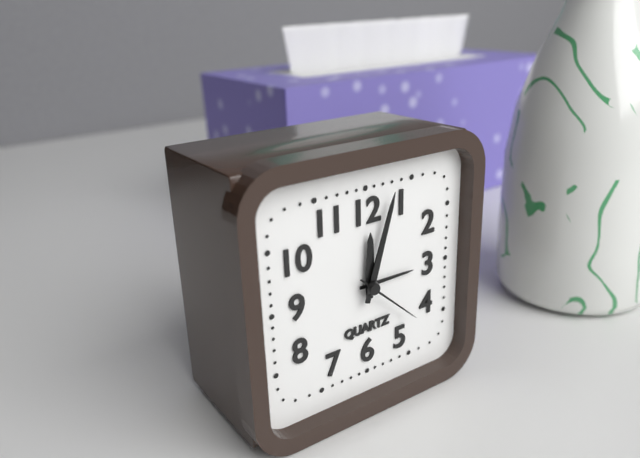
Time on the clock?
12:03:22
